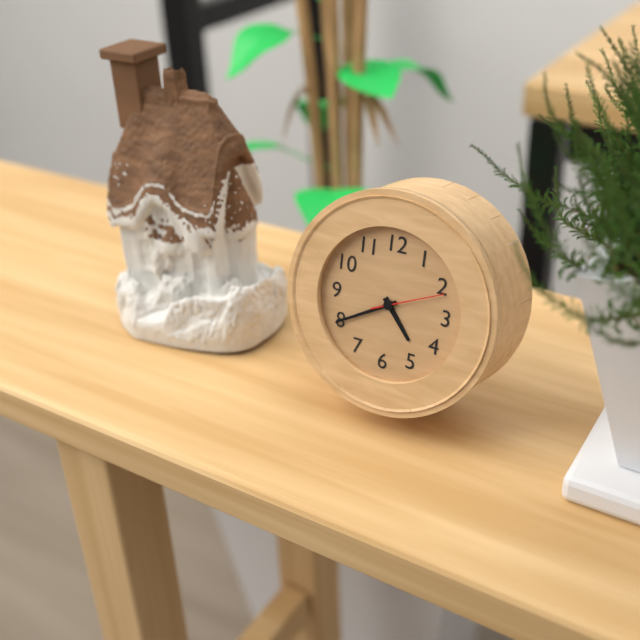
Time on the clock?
4:40:11
